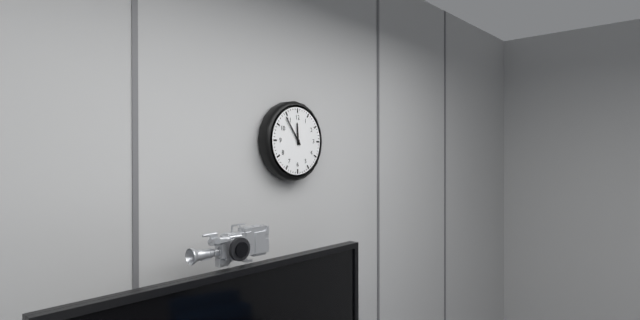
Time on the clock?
11:54
